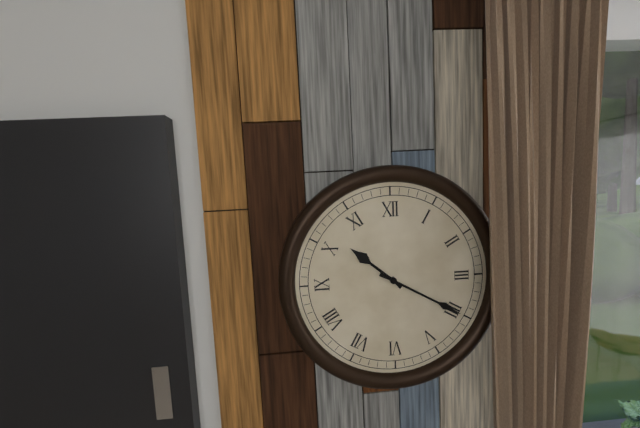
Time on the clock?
10:20
